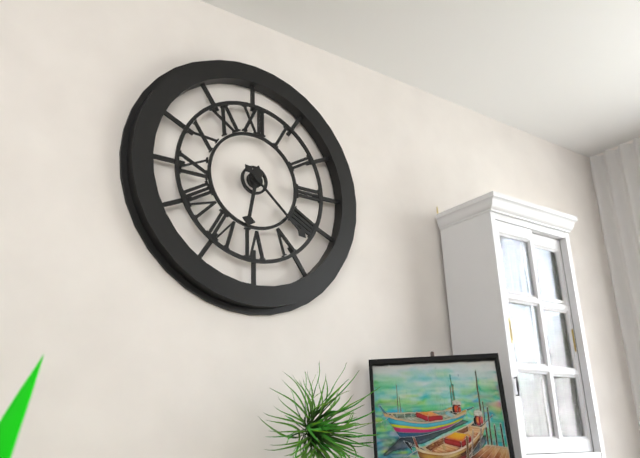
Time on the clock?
6:22
